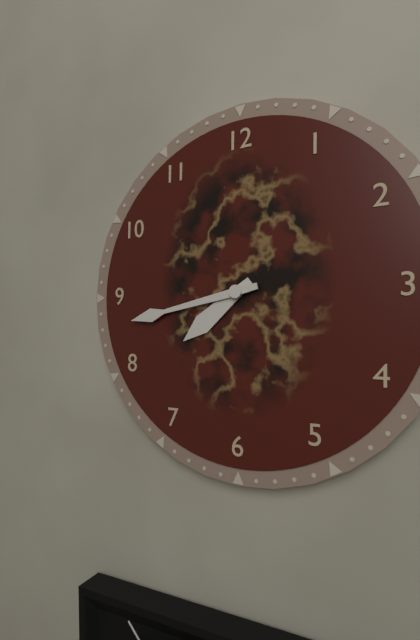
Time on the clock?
7:43
